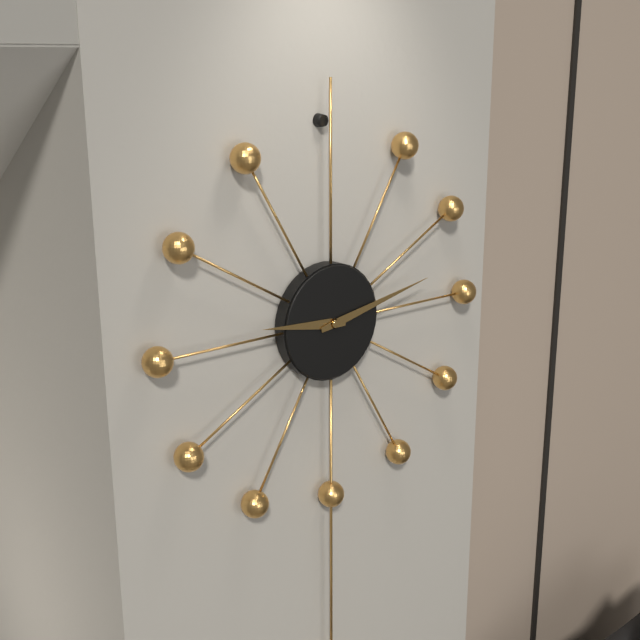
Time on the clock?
9:13
